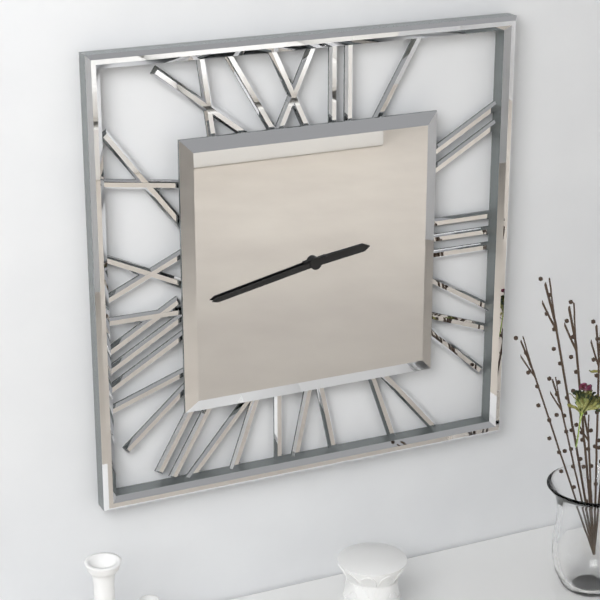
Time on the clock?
2:43
